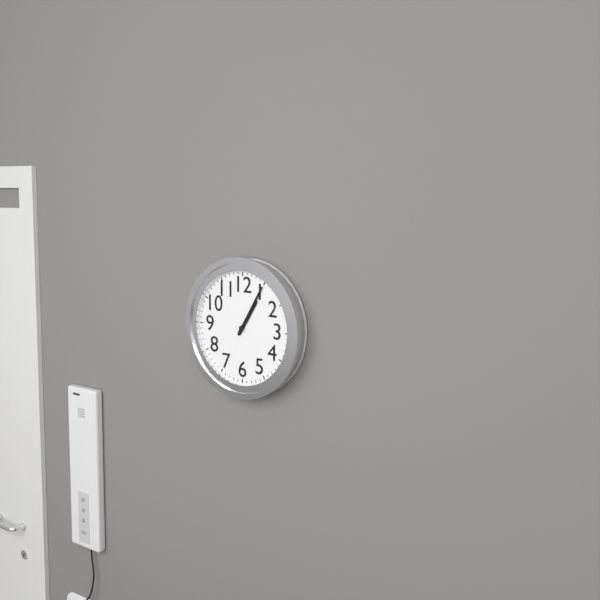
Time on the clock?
1:05
